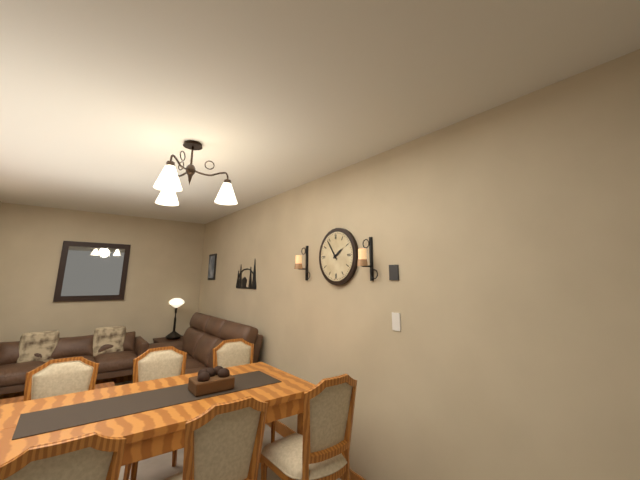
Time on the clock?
1:54
